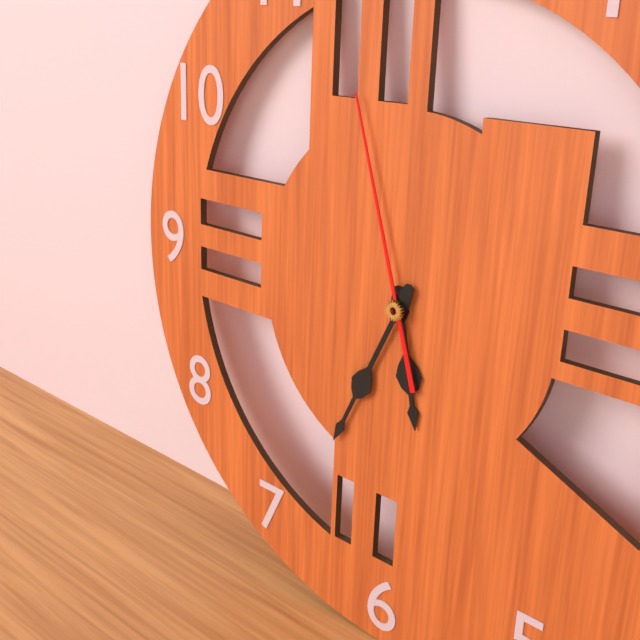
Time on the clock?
5:34:57
